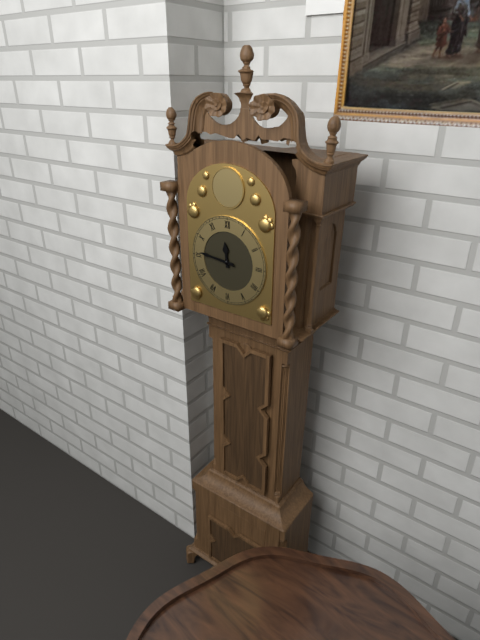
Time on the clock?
11:46
